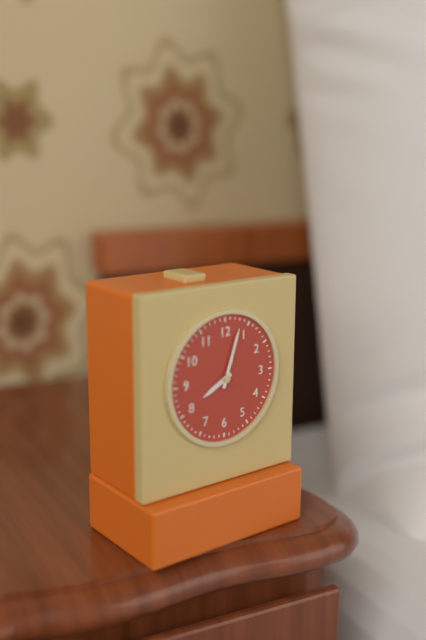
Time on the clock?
8:03
